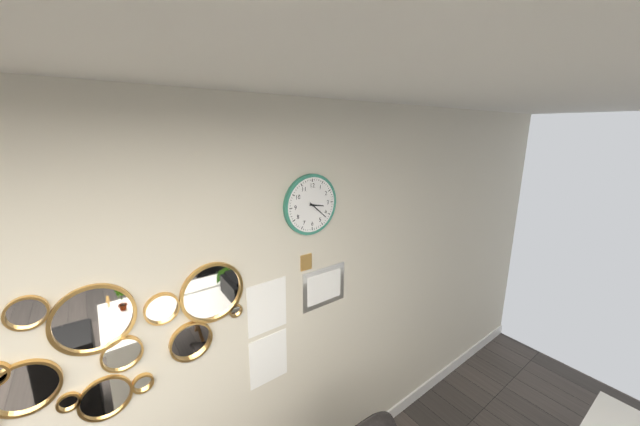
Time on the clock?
3:22
